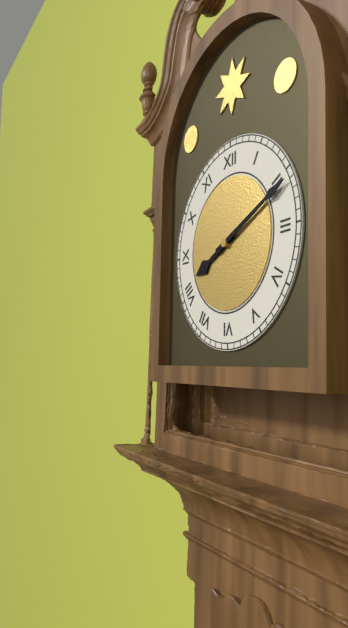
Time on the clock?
8:11
